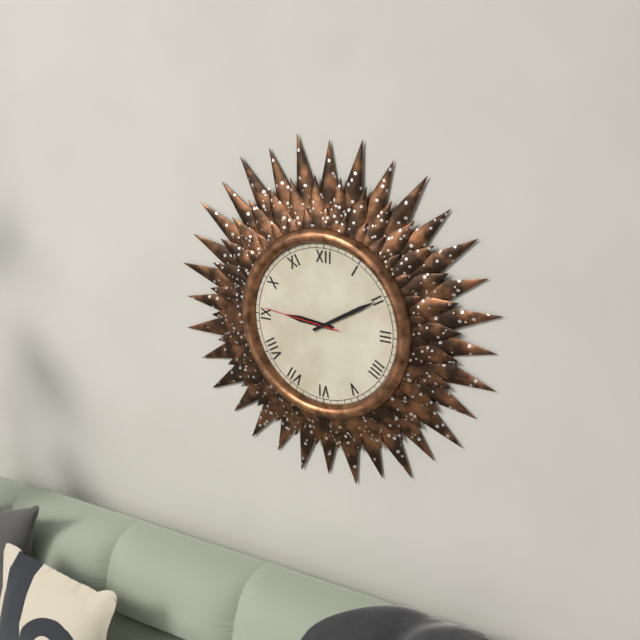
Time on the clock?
9:10:46
